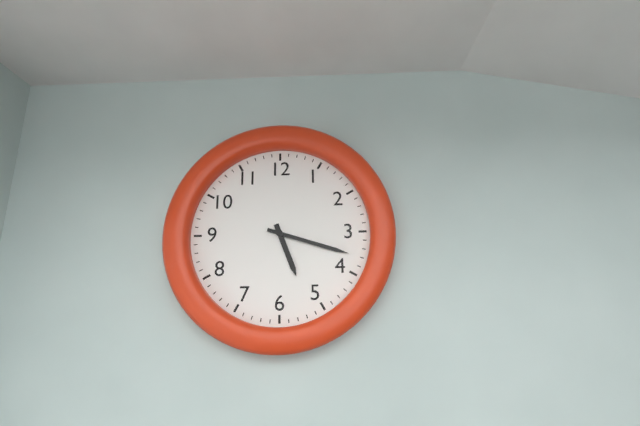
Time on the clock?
5:18
